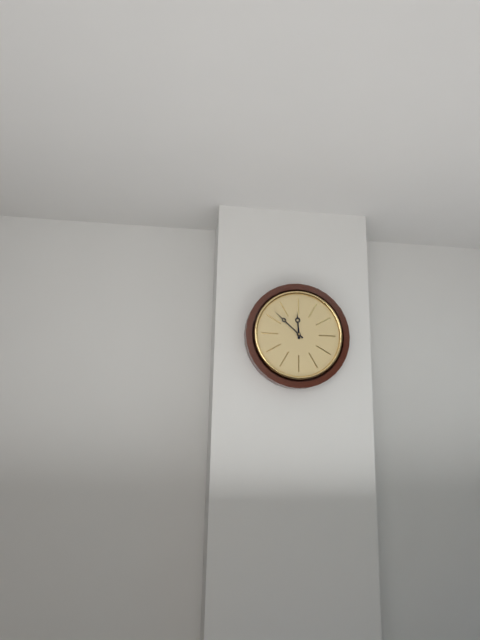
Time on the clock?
11:52
